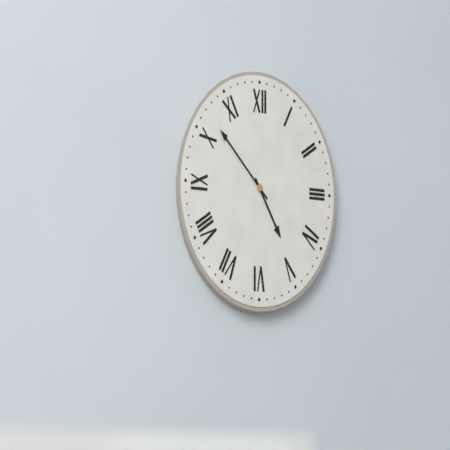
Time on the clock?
4:52
